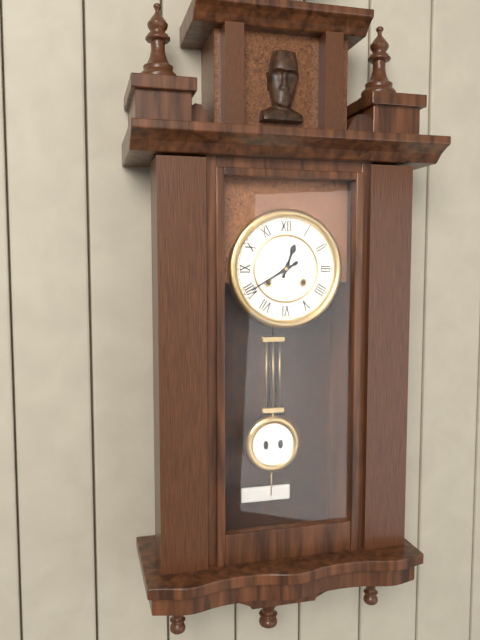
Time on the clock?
12:40
